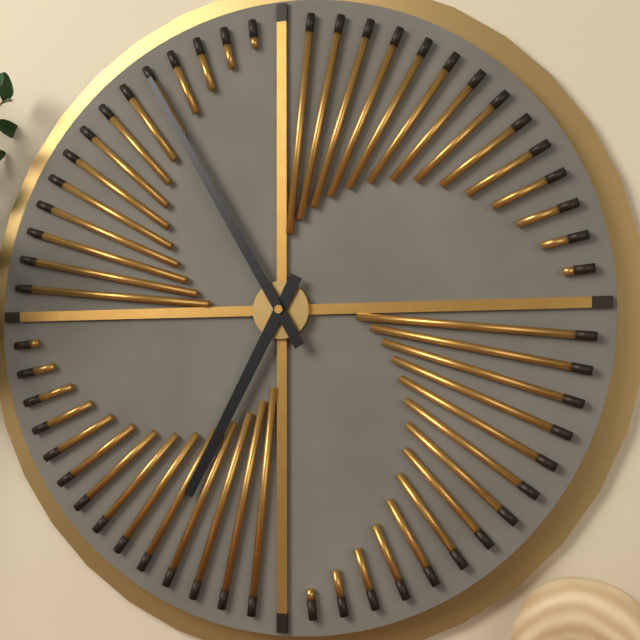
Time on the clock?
6:55
